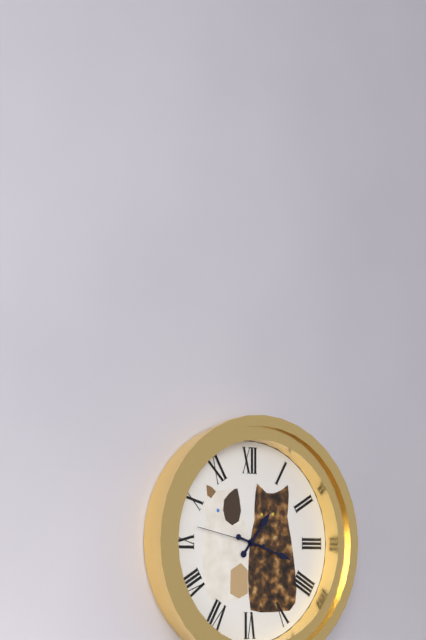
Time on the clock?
1:18:47
